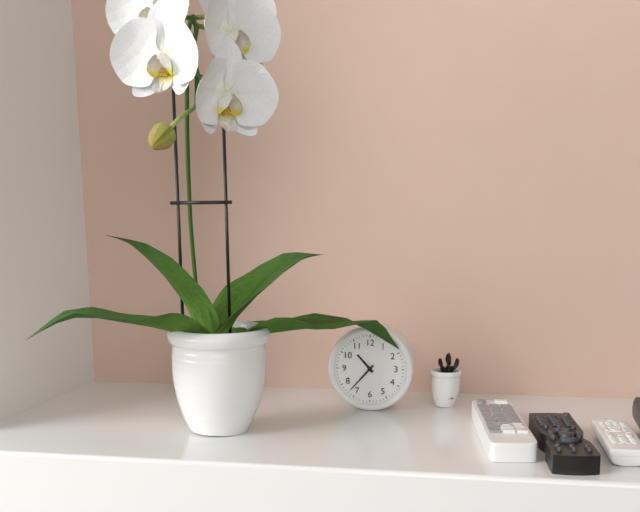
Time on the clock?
10:37
